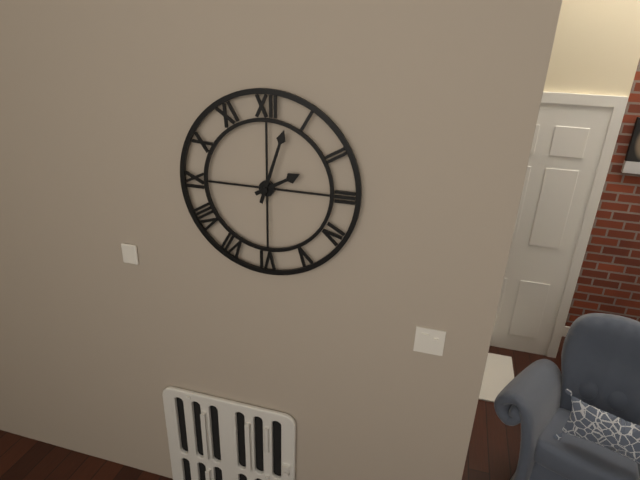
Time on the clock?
2:03
